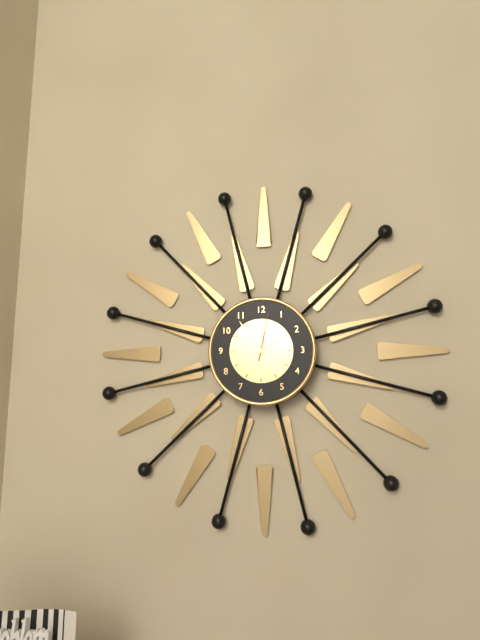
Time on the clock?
1:54:02
